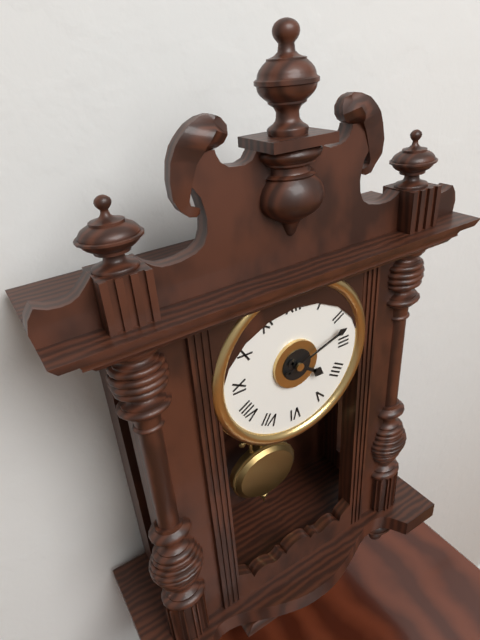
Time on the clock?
4:12
